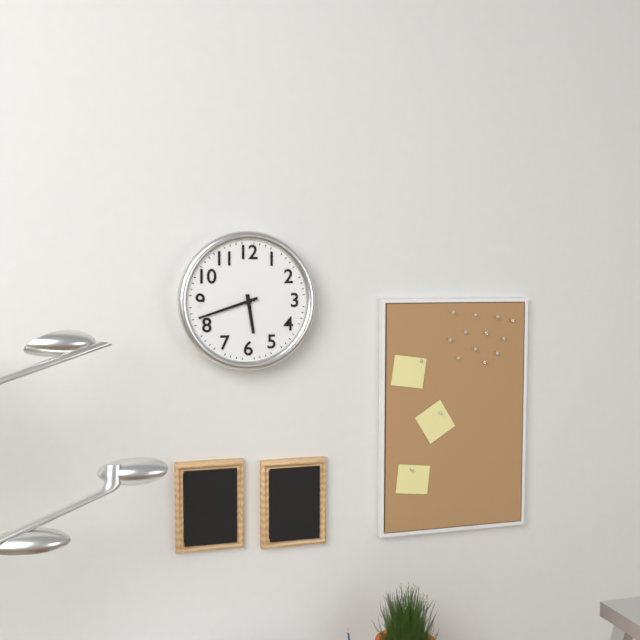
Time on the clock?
5:42
